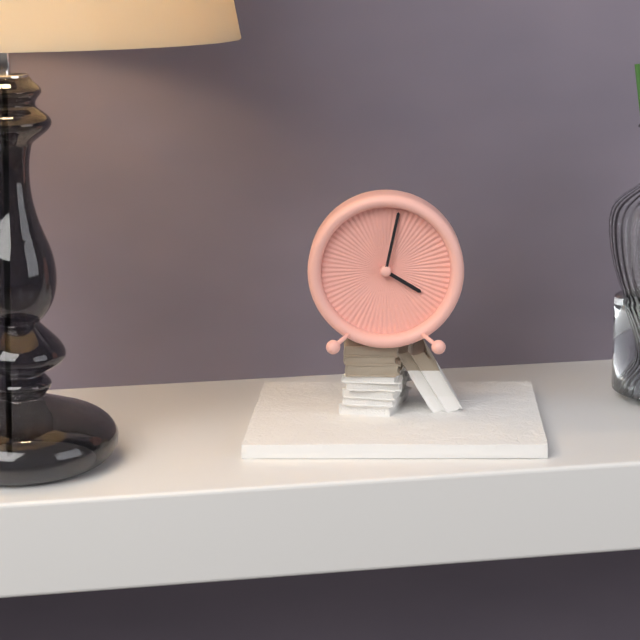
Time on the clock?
4:02
